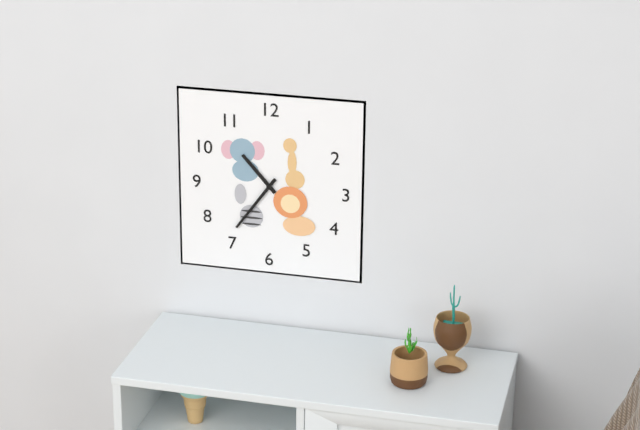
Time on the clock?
10:36
